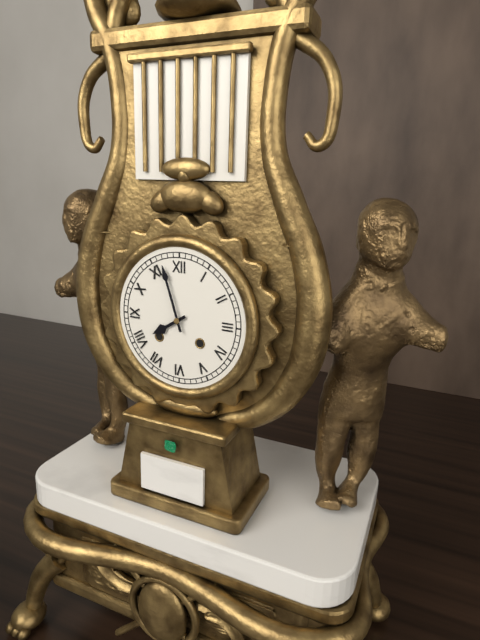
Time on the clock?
7:57
